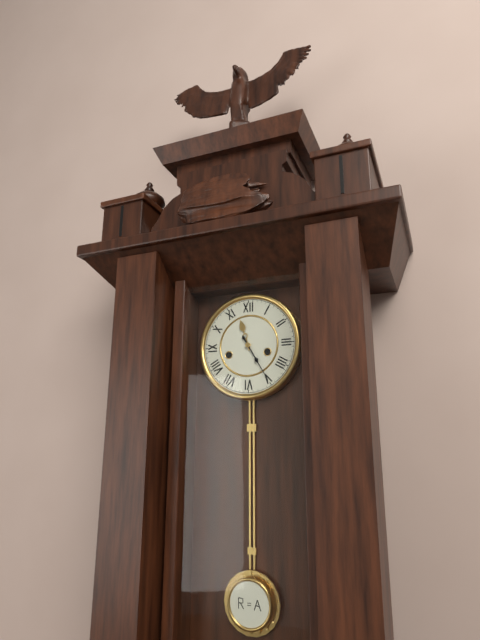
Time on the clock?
11:25
